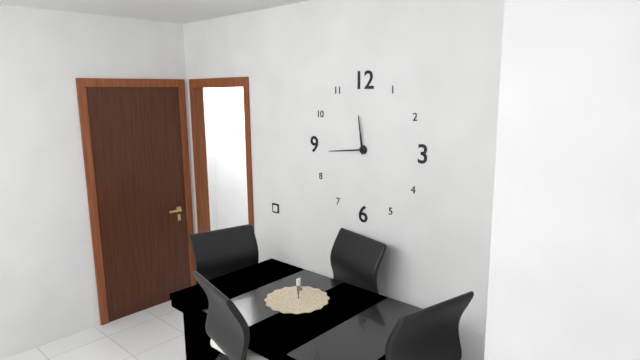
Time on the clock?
11:44
